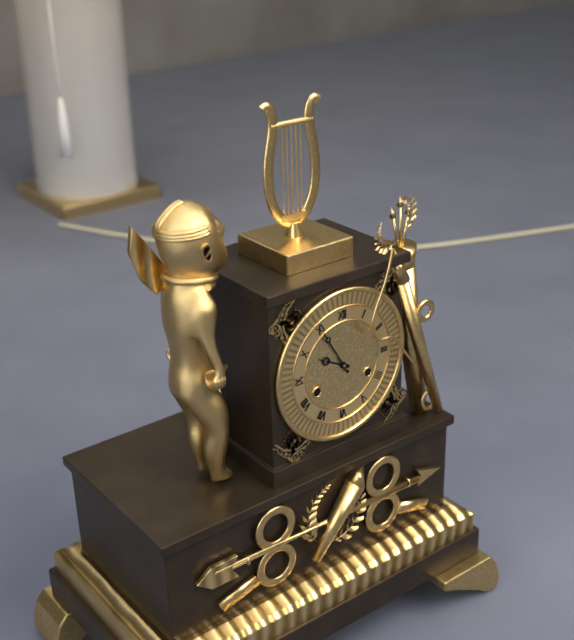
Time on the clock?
9:55
